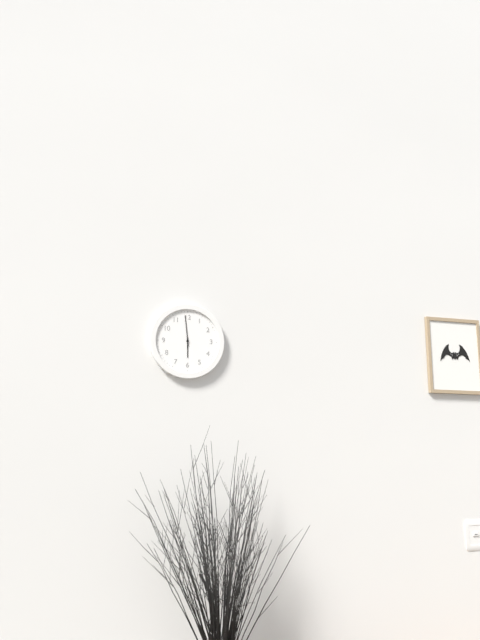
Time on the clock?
5:59
